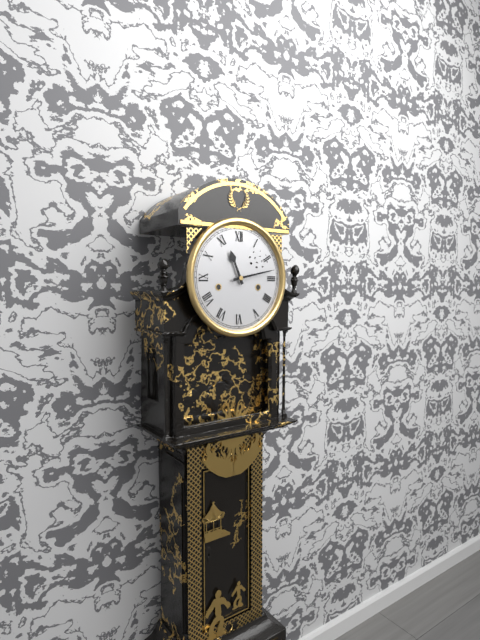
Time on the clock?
11:13
